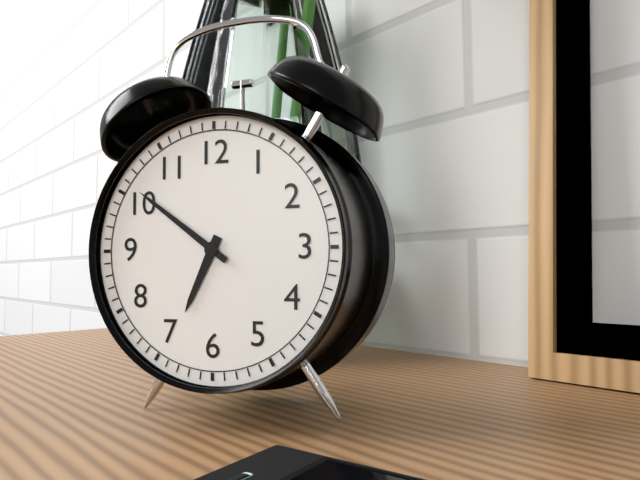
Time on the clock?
6:51
